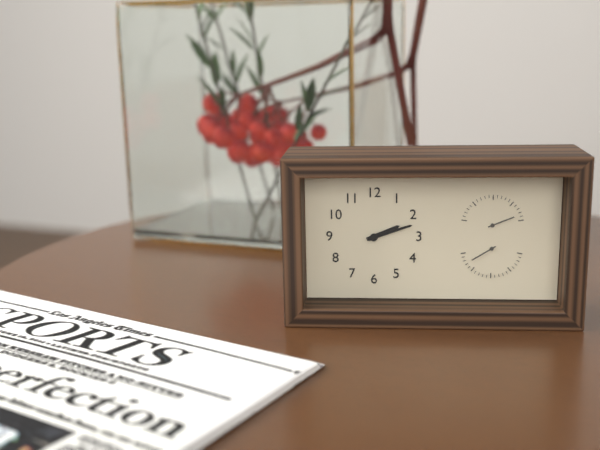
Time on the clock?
2:12
